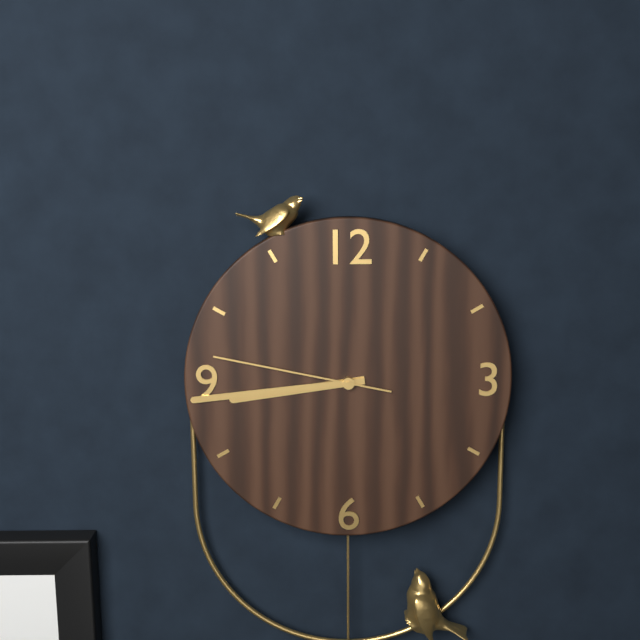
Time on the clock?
8:44:47
